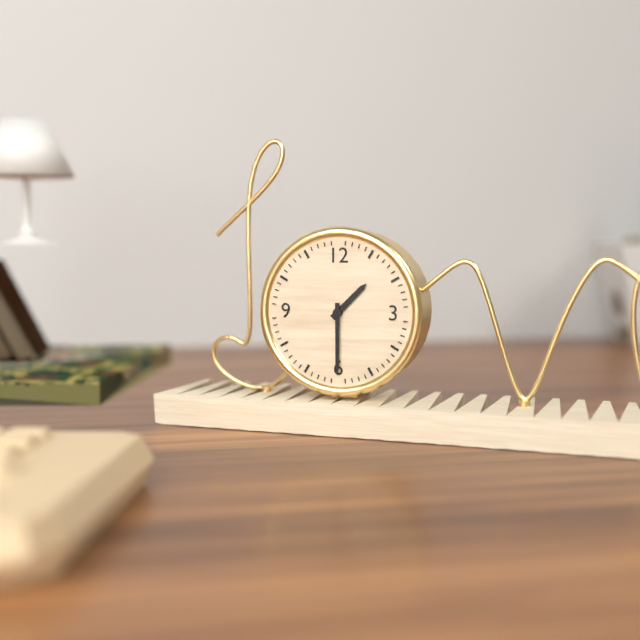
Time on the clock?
1:30
